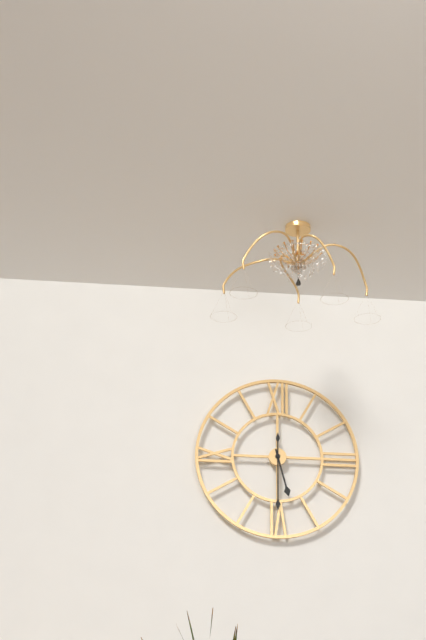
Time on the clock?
5:30
